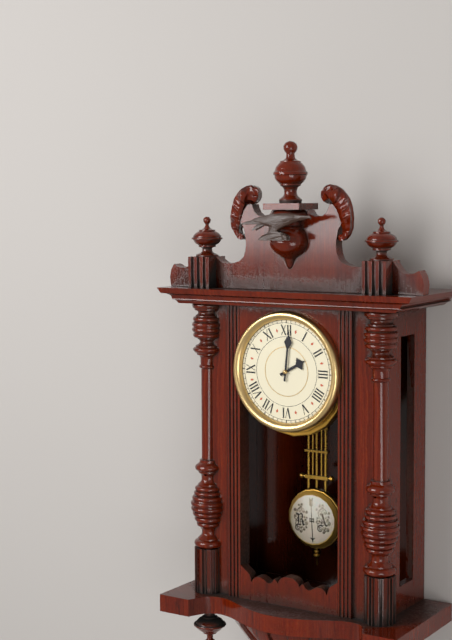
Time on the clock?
2:01
